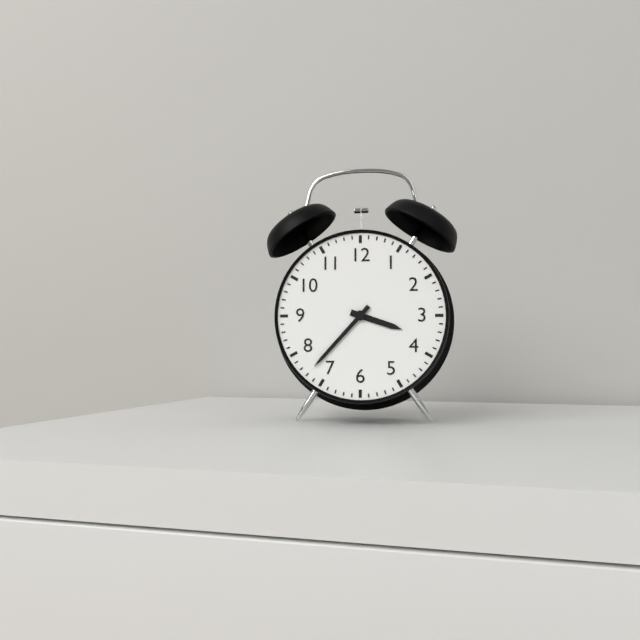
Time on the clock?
3:37
